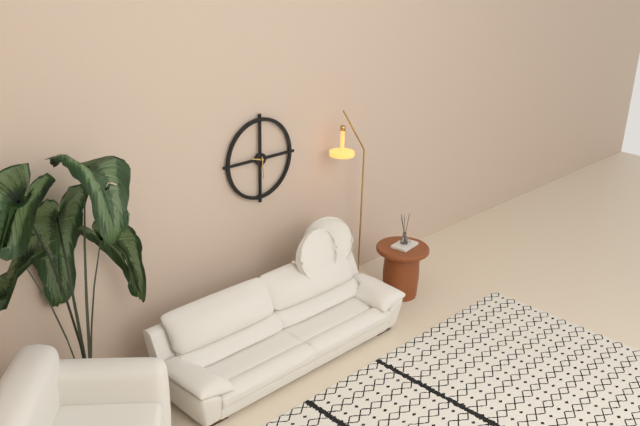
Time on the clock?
9:29
